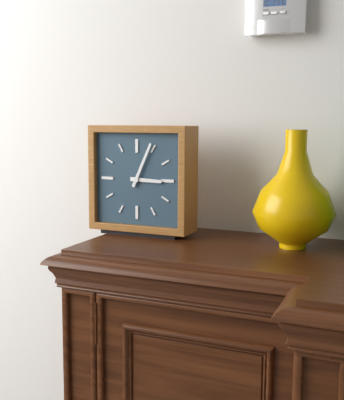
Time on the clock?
3:04
